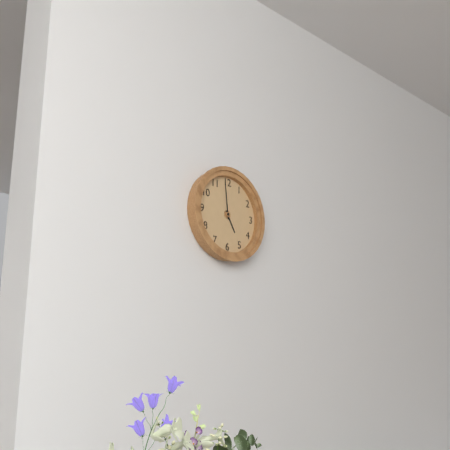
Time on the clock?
4:59
